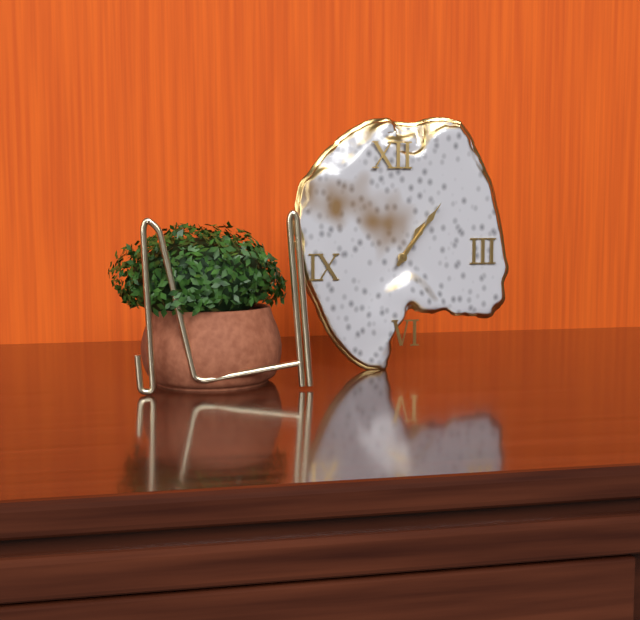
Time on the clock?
1:06
